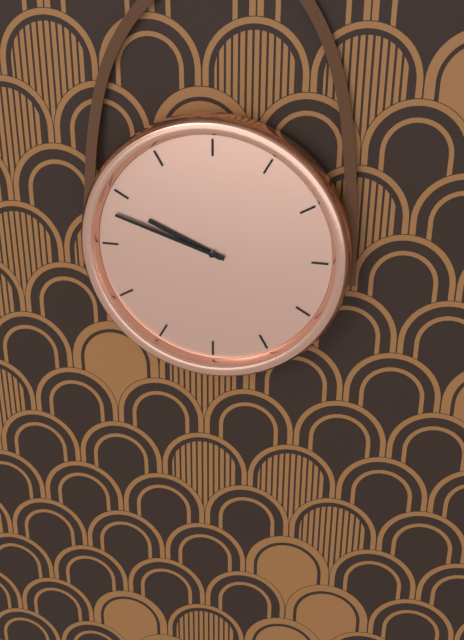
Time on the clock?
9:48
